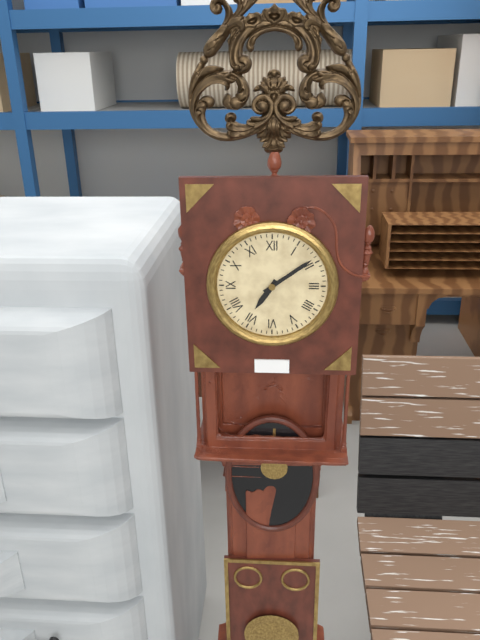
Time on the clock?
7:09
